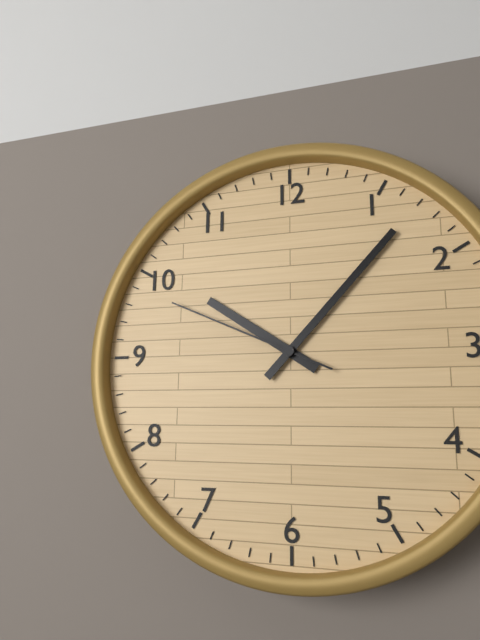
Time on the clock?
10:07:49
